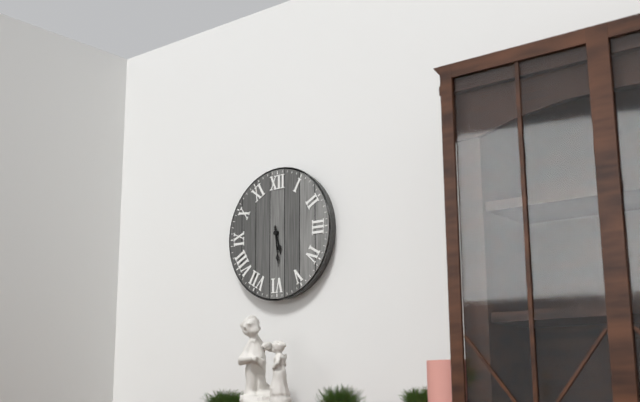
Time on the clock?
5:29
